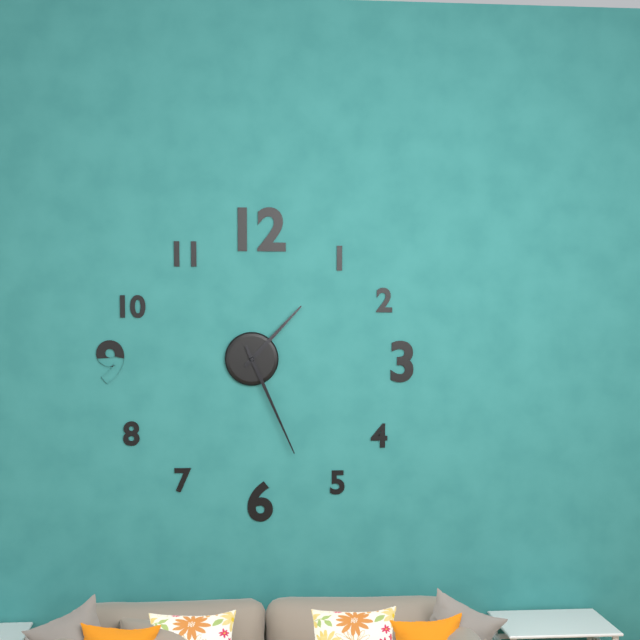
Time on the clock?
1:26
